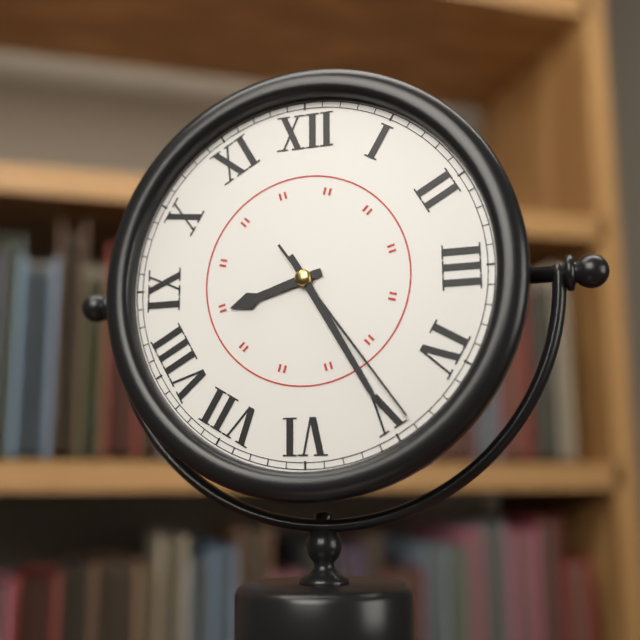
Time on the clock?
8:25:24
